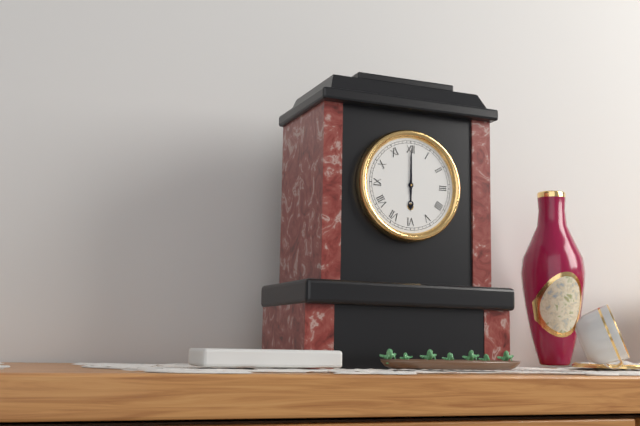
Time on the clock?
6:00
